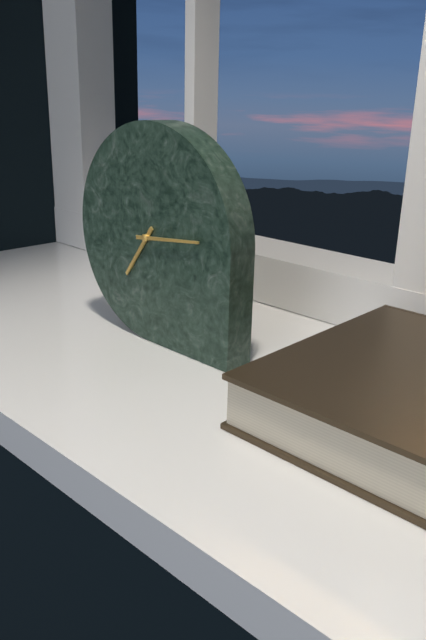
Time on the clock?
7:14
